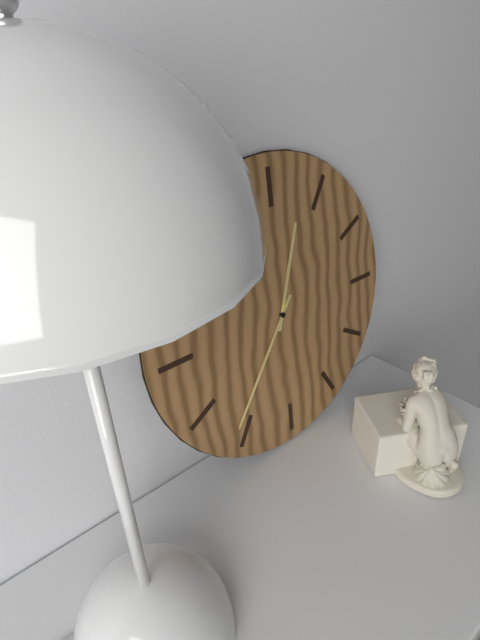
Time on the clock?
12:36
